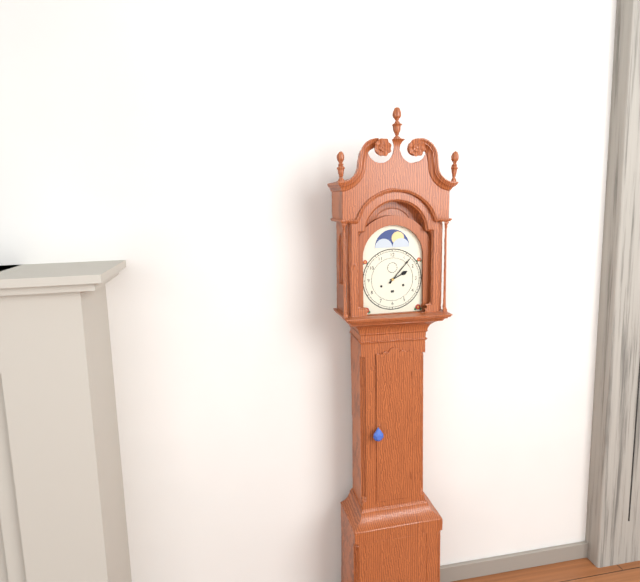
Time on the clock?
2:07
